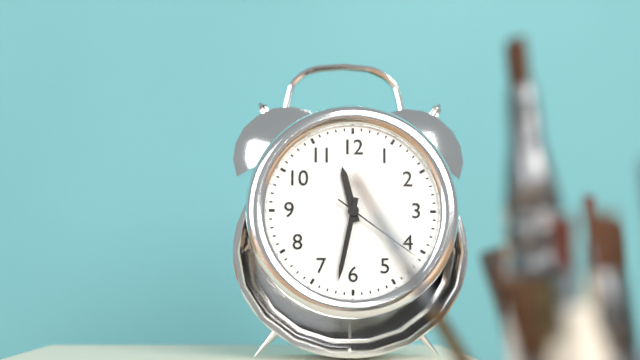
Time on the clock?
11:32:21
